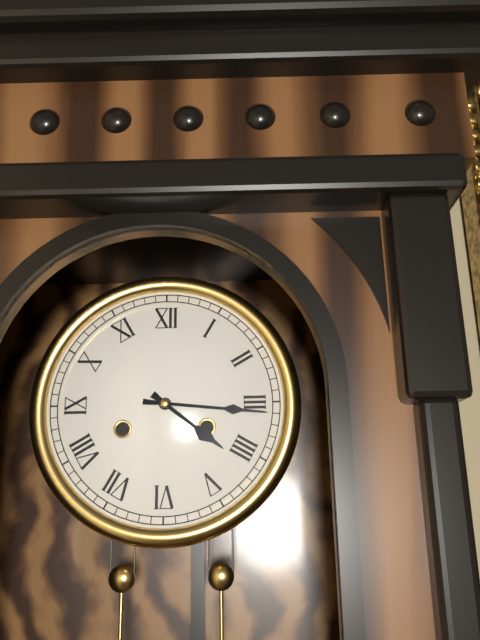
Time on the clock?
4:16
